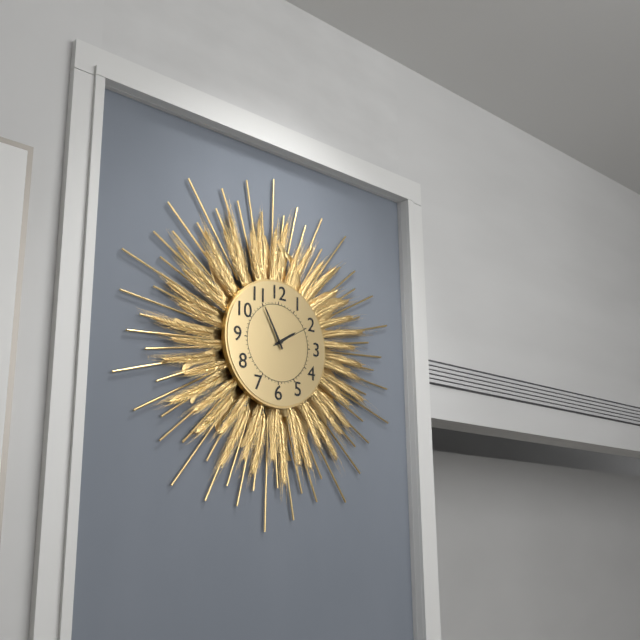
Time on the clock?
1:55
